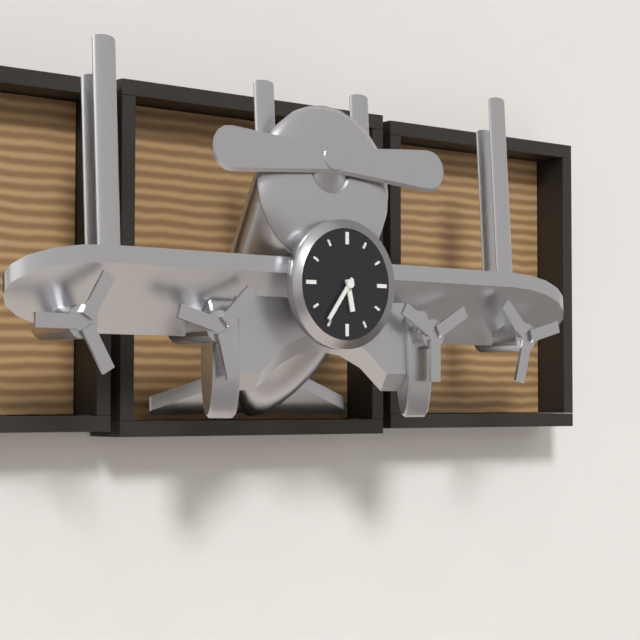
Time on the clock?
5:36
